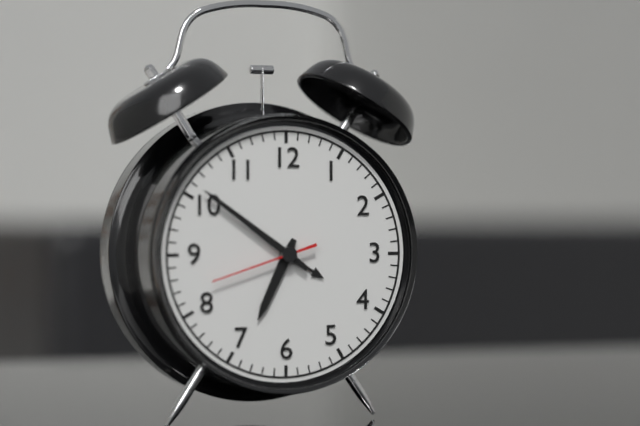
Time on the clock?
6:51:42
